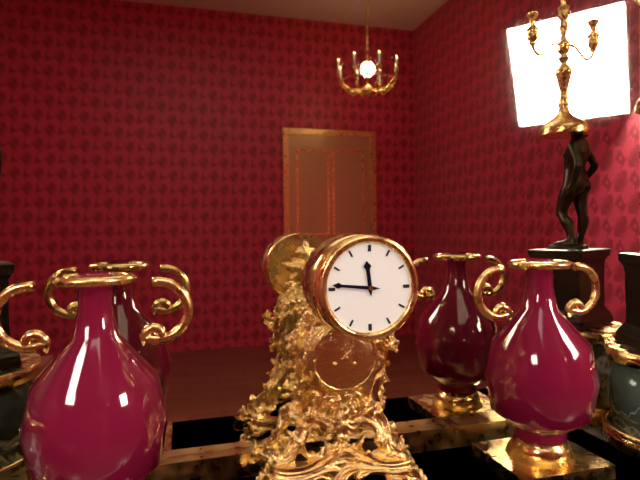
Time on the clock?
11:46
